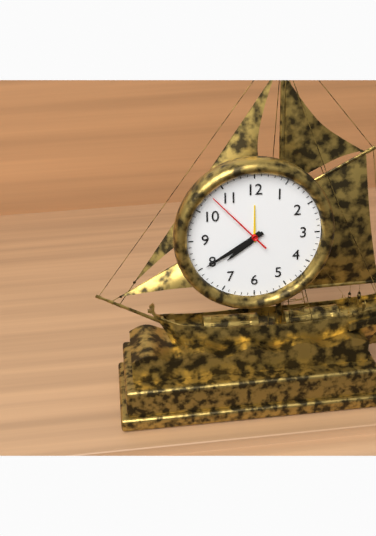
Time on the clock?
7:40:53
